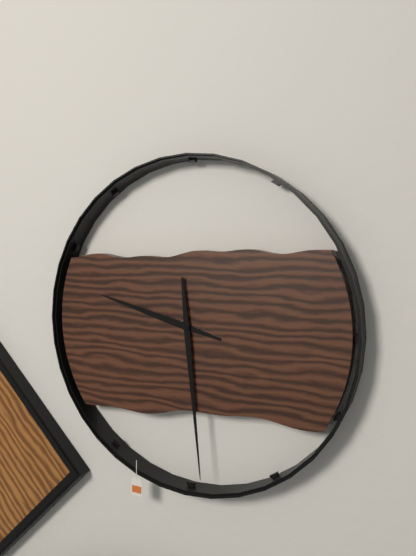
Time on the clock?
9:29
